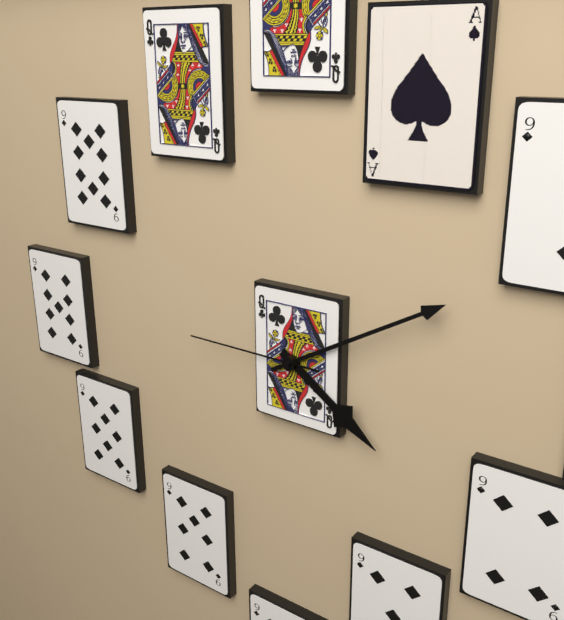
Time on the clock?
4:10:45
